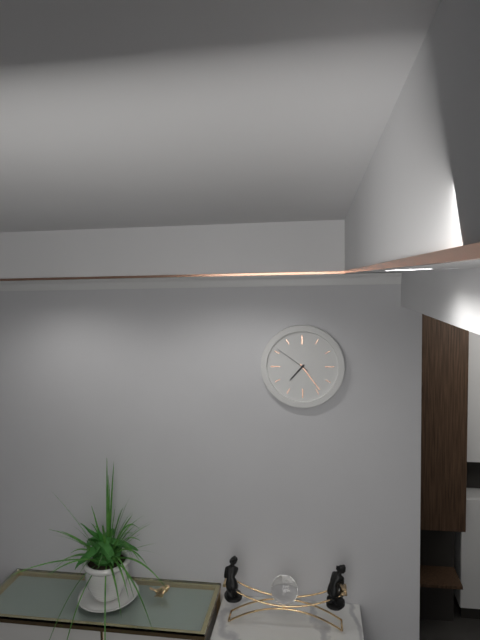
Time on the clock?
7:24
